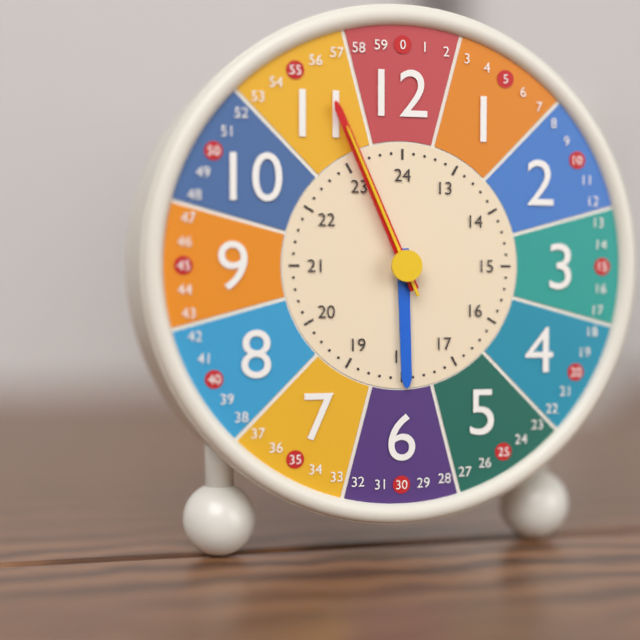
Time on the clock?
5:56:56
